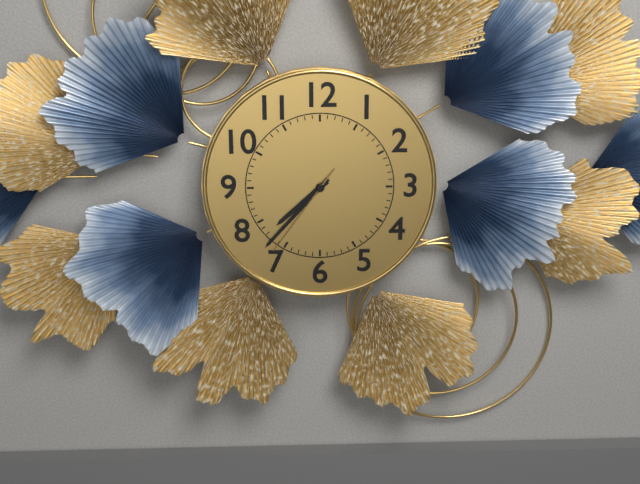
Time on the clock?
7:37:36
